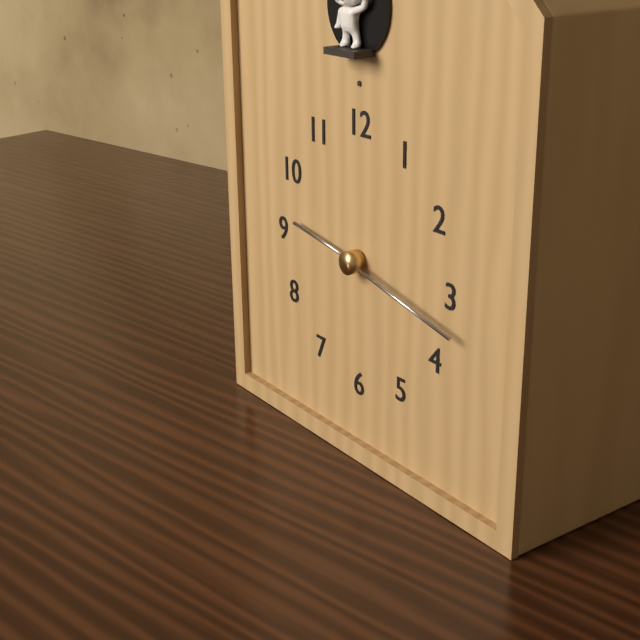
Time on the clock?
9:17
